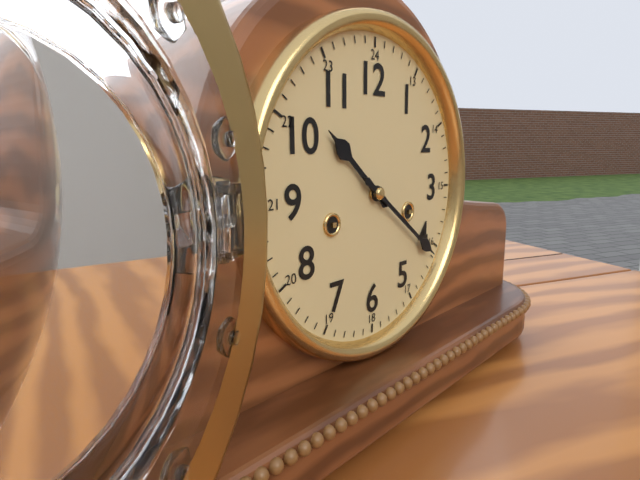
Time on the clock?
10:21
